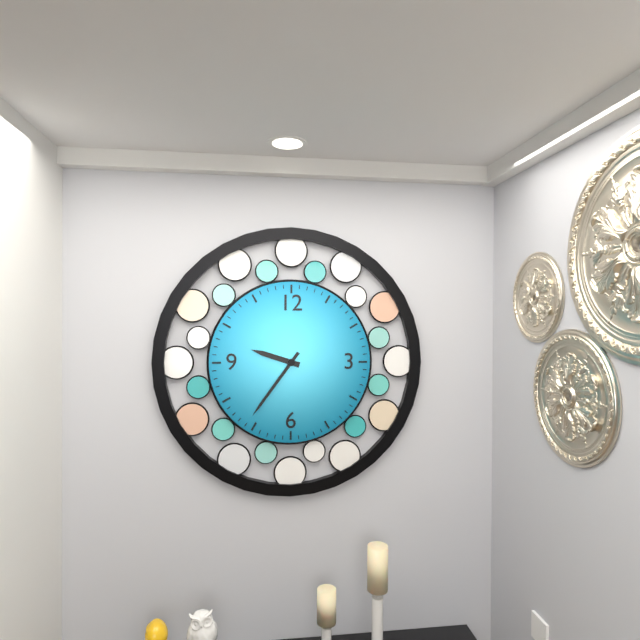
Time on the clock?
9:36
